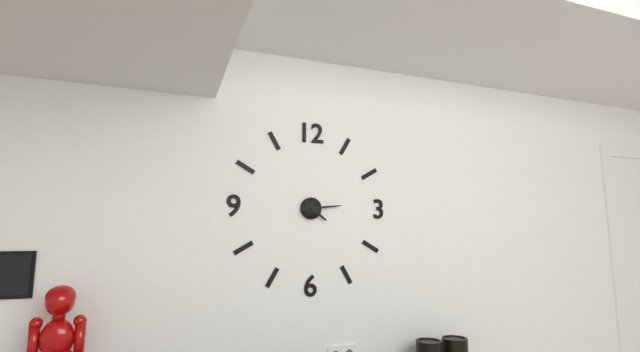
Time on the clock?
4:14
